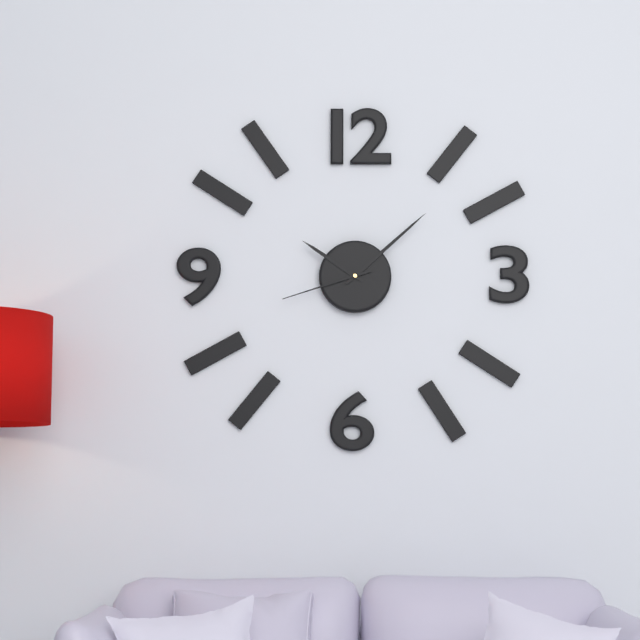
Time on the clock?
10:08:42
